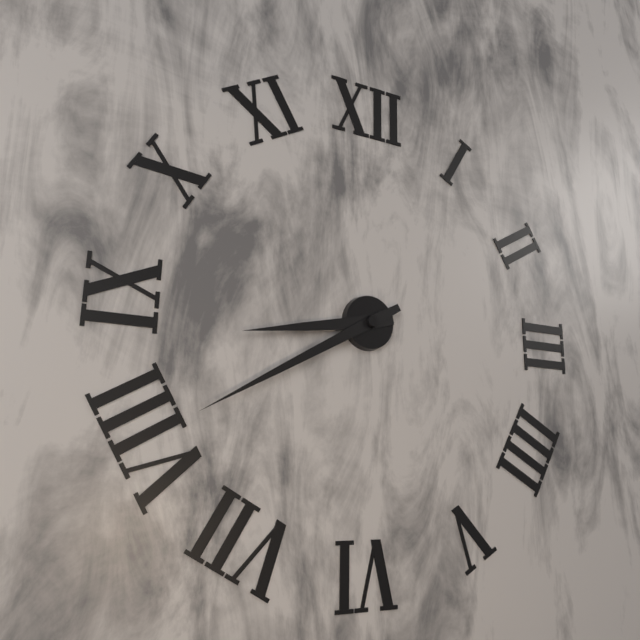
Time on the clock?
8:40
